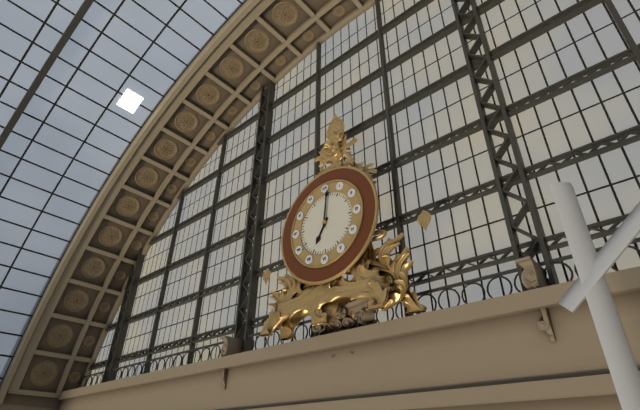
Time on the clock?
7:01
